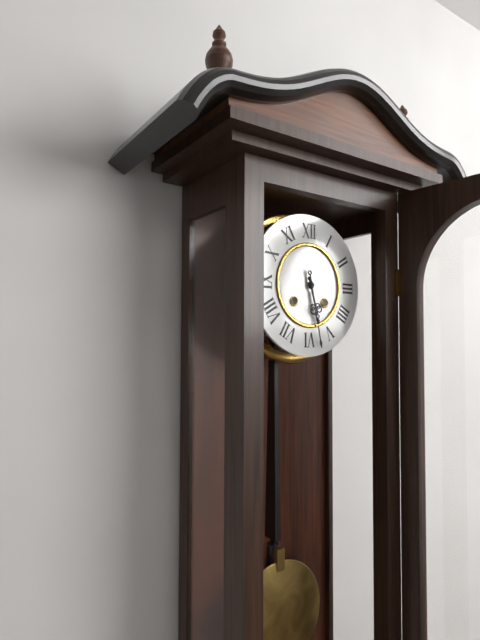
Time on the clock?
5:28
